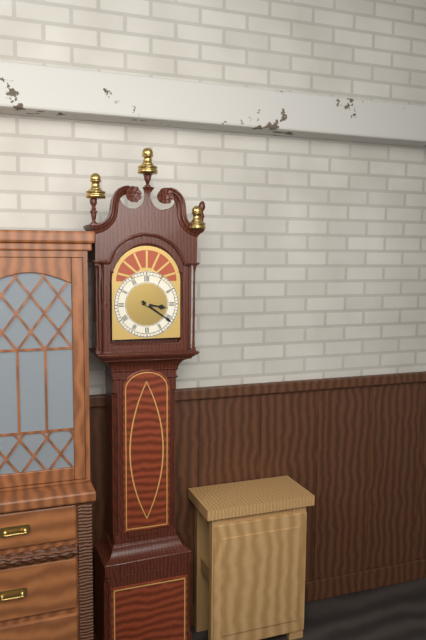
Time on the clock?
3:21
